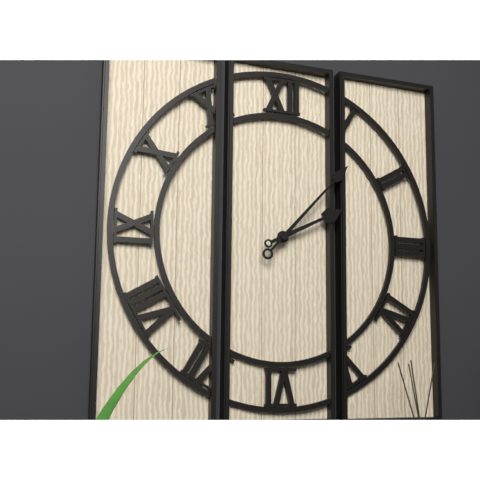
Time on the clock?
2:07
